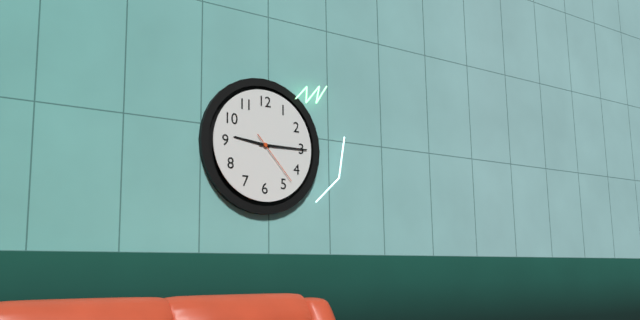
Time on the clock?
9:15:23
